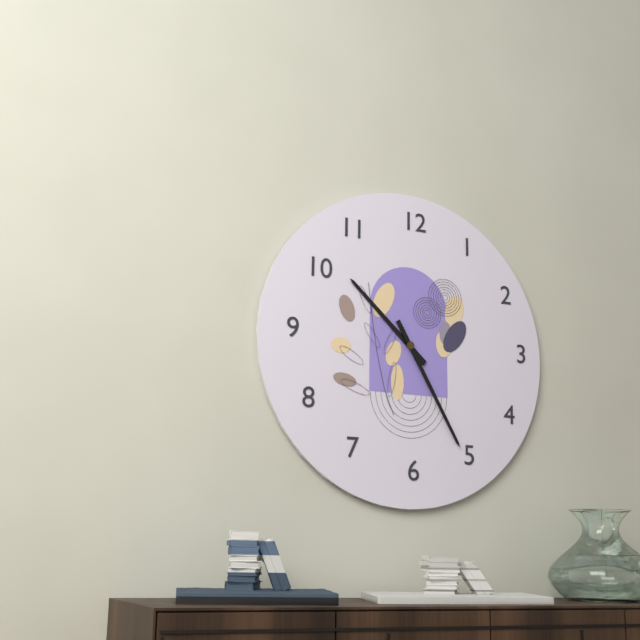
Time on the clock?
10:25
